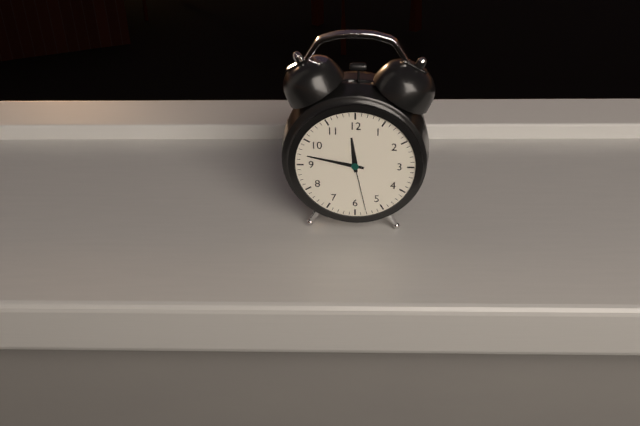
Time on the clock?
11:47:28
